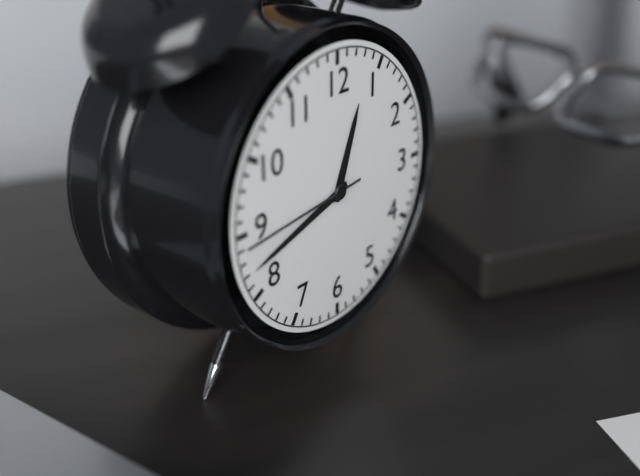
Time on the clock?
12:42:44
